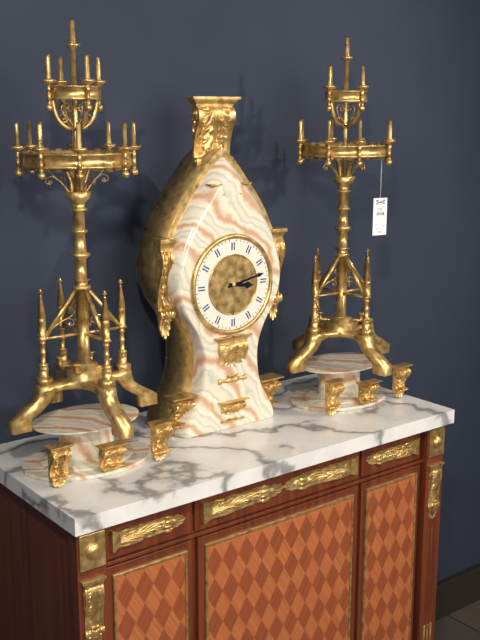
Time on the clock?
3:13
